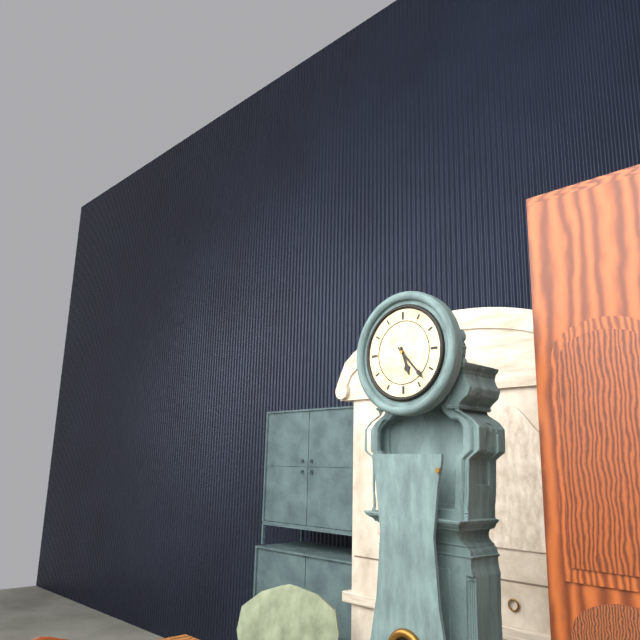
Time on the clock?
5:23
